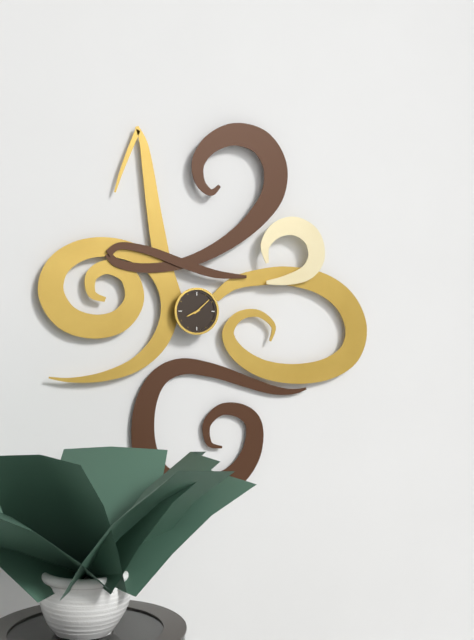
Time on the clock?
8:08
